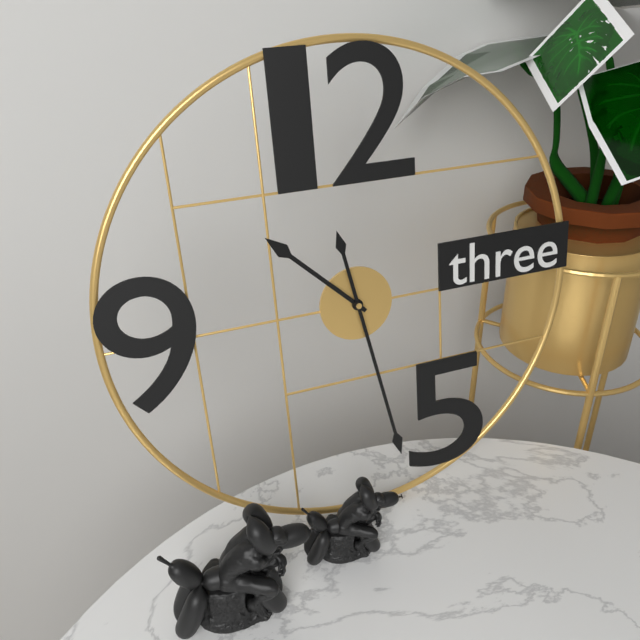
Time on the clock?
10:28
